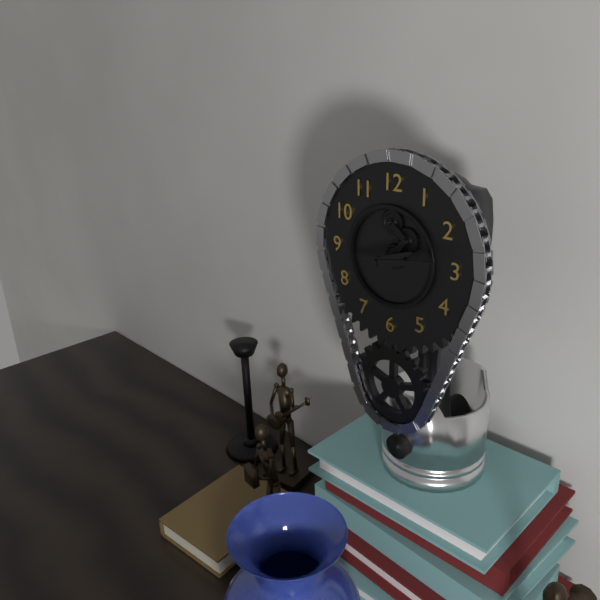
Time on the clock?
2:13
